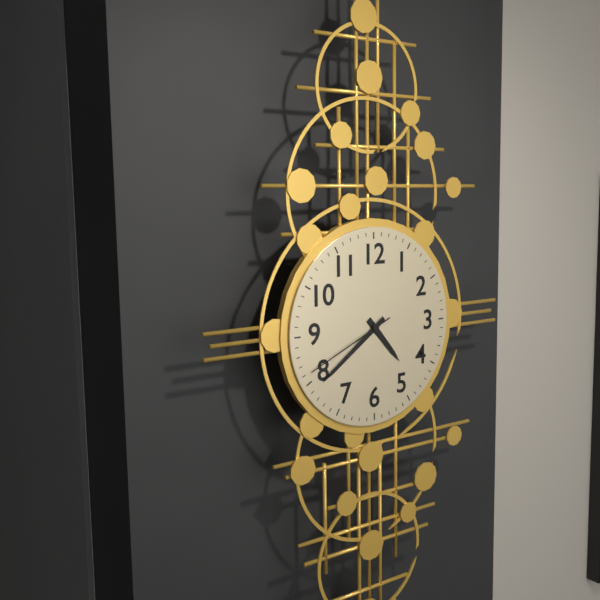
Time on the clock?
4:39:41
